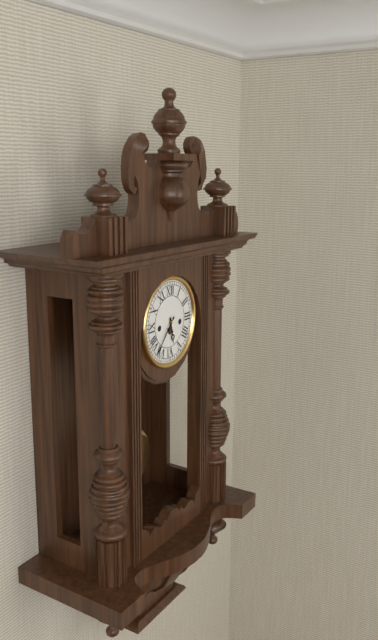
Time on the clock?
5:37
